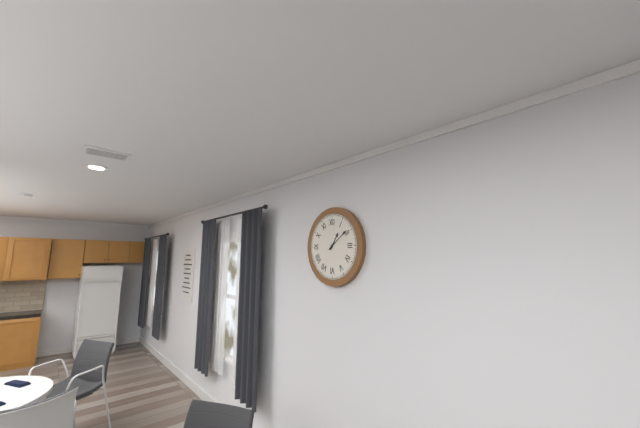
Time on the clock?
1:09
